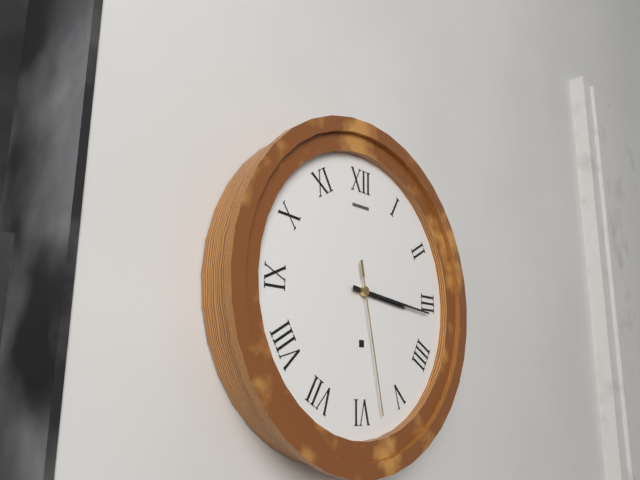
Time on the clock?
3:16:28
